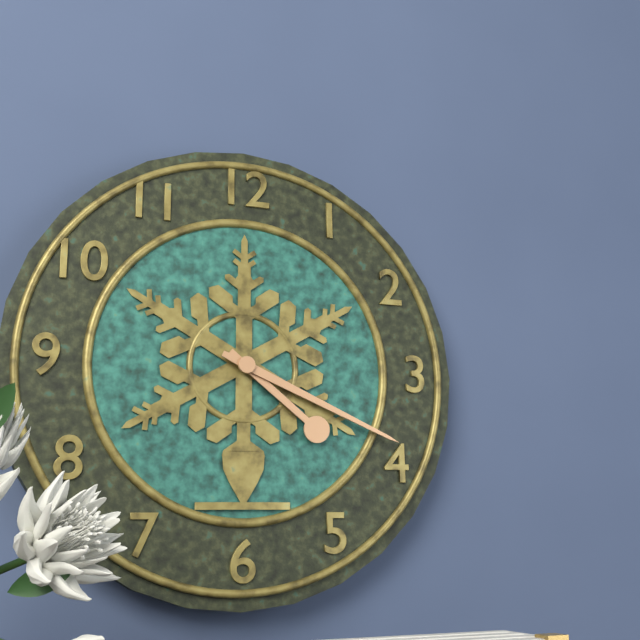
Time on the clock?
4:19
